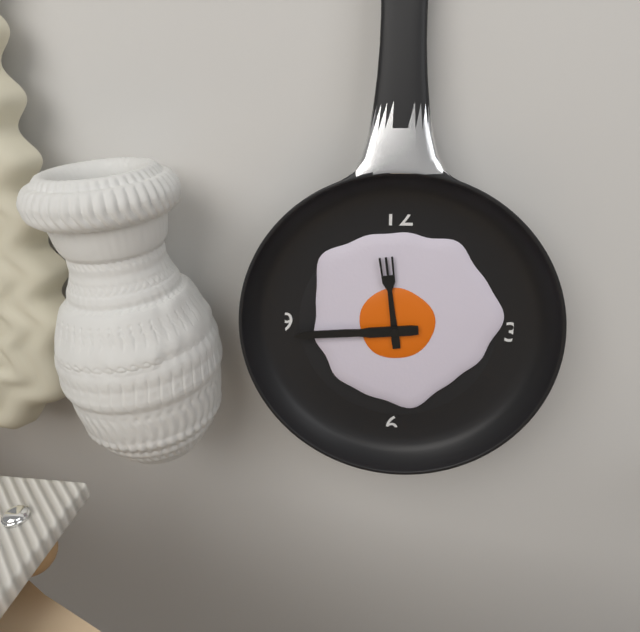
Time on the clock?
11:44
